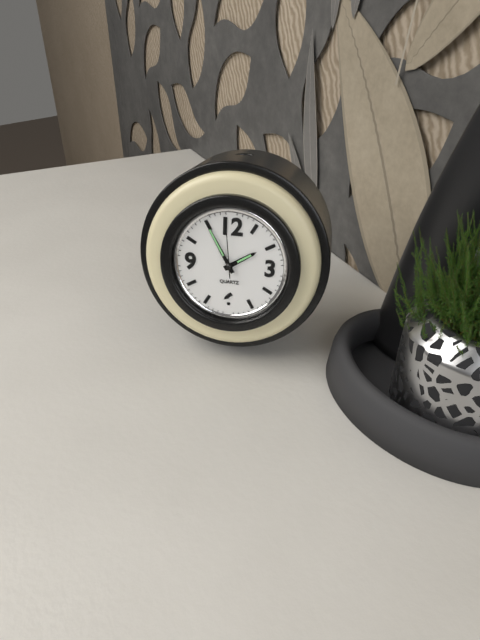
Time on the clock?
1:55:59
